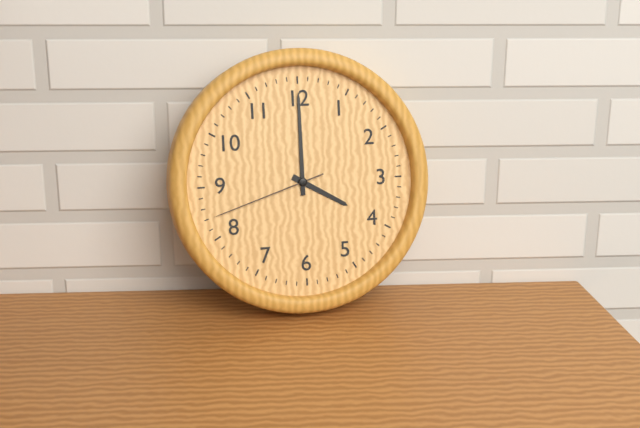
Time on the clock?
4:00:42
